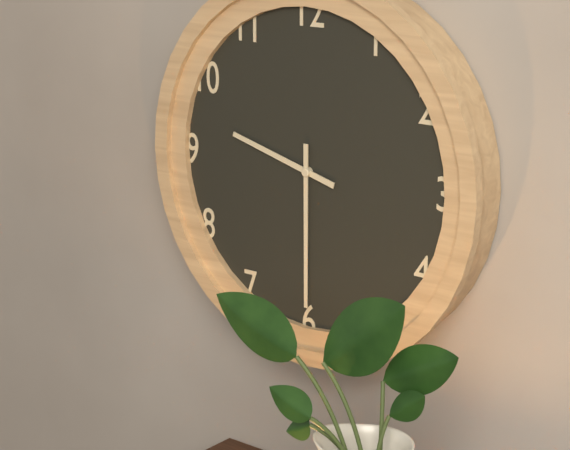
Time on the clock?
9:30
